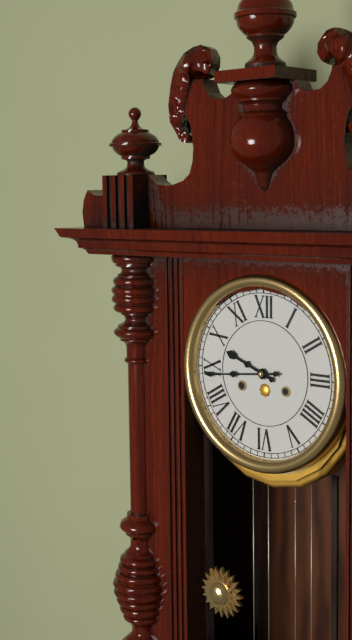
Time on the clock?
9:44
